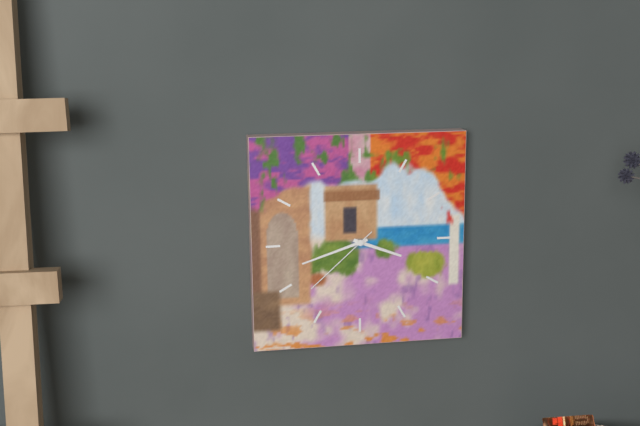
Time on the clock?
3:42:38
